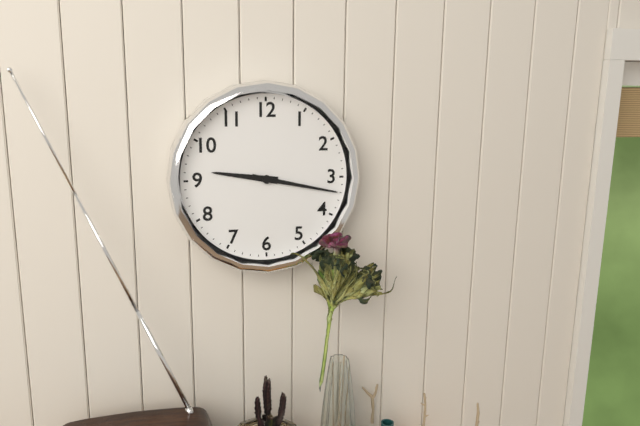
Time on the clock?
9:17
